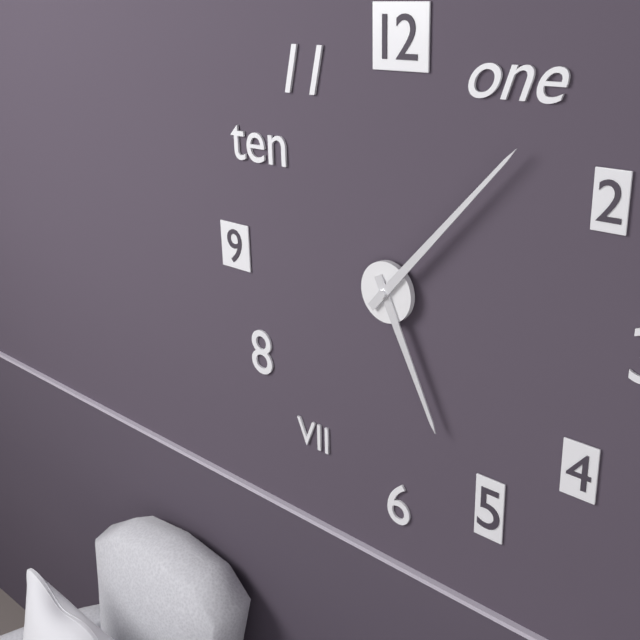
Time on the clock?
5:07
